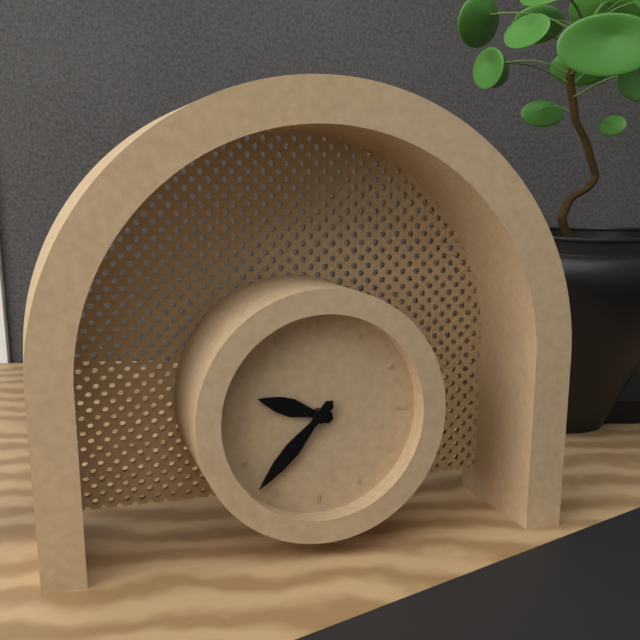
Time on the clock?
9:37
